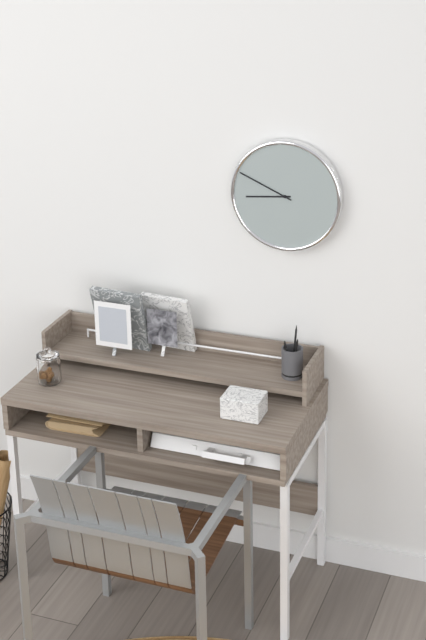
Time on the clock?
8:49
